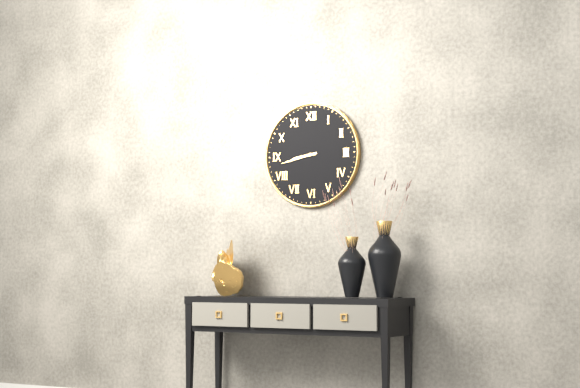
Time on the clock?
8:43
